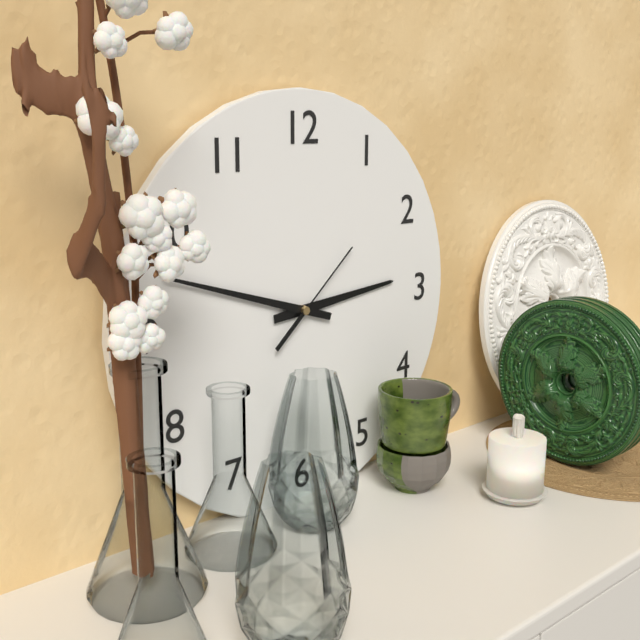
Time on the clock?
2:48:08
